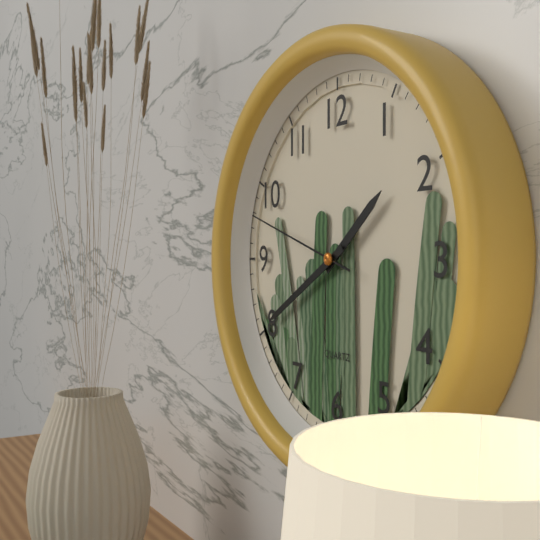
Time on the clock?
1:40:48
